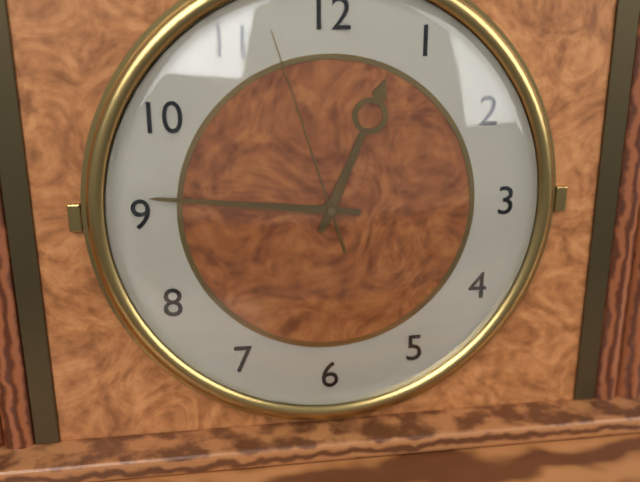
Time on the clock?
12:46:57
